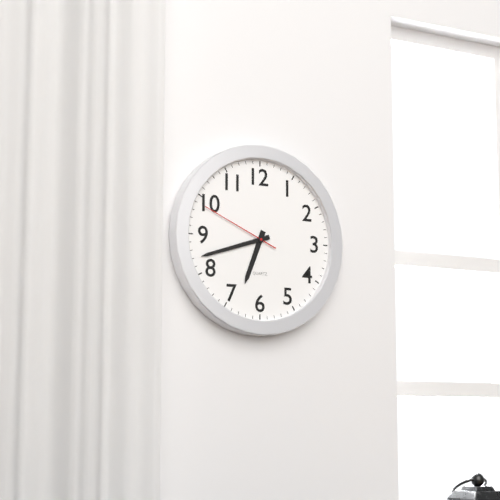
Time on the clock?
6:42:49
